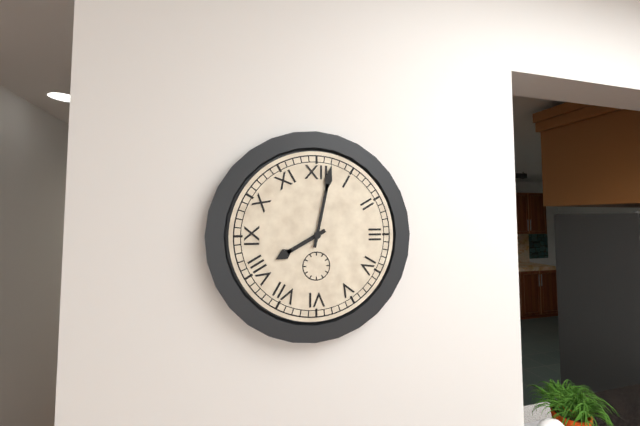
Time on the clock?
8:02
